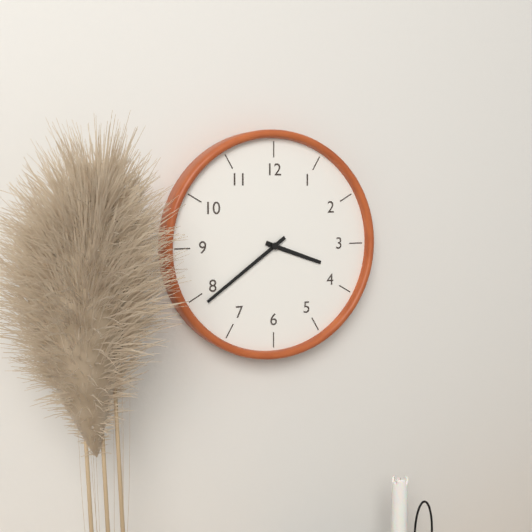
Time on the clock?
3:39
